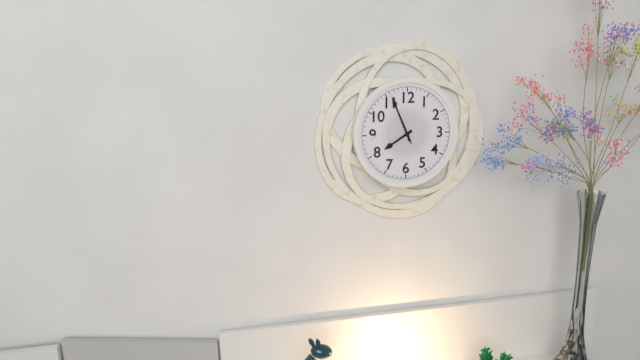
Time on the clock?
7:56
